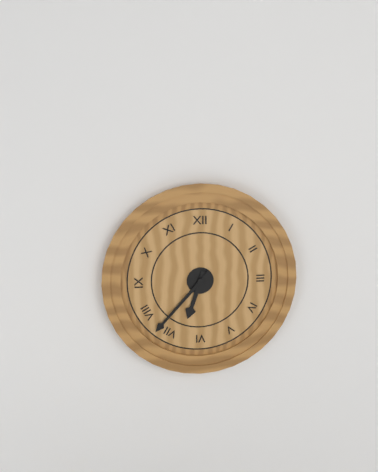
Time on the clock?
6:37
